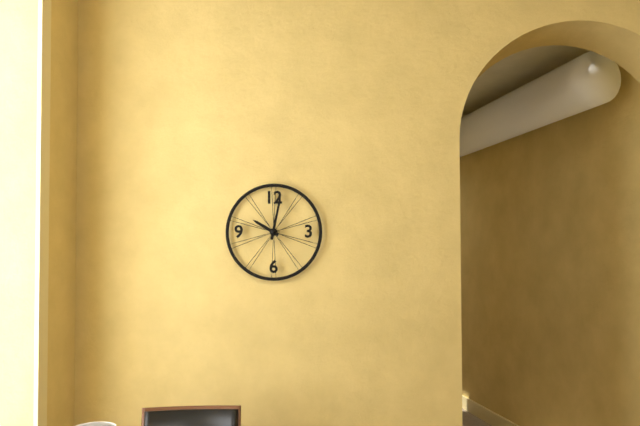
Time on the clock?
10:02
